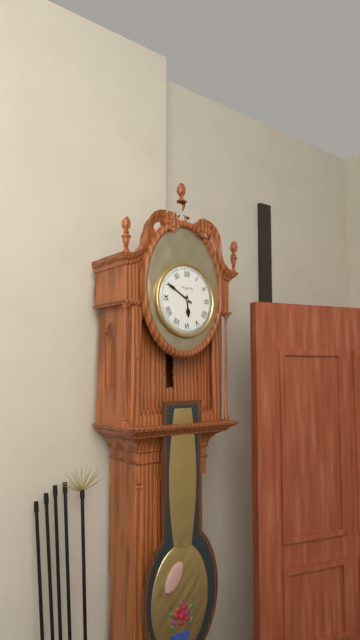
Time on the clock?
5:50
